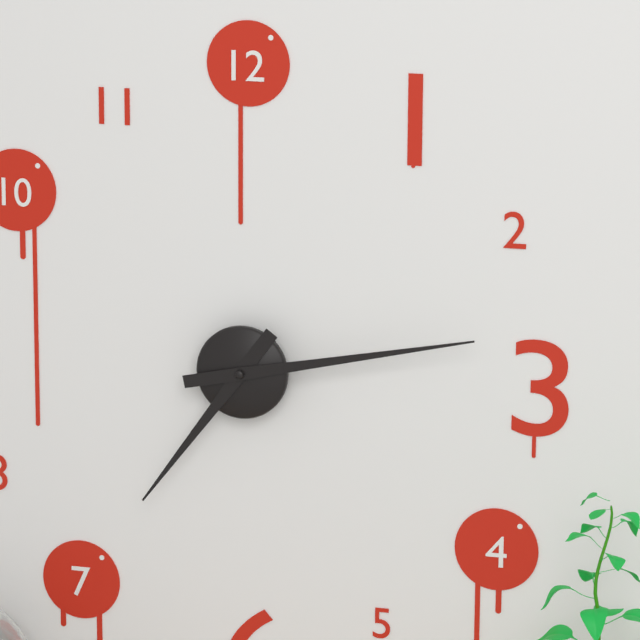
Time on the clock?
7:13
